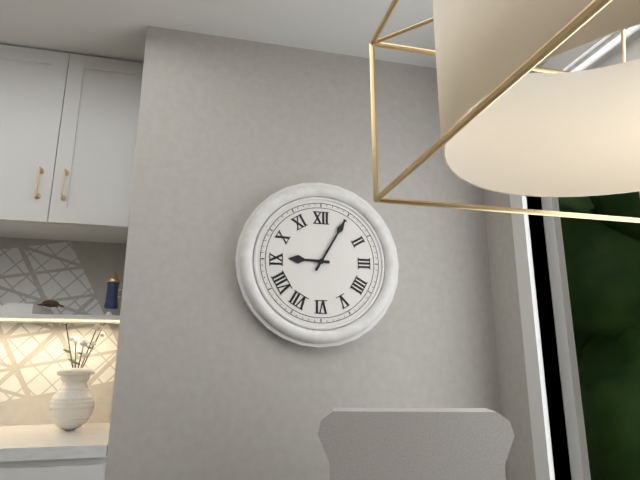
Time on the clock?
9:05
